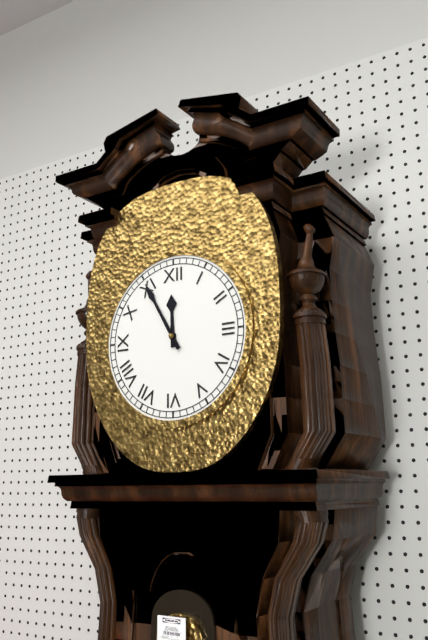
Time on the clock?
11:55
